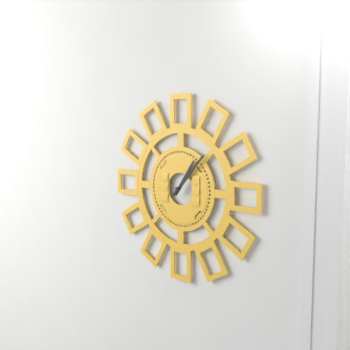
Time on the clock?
1:07
